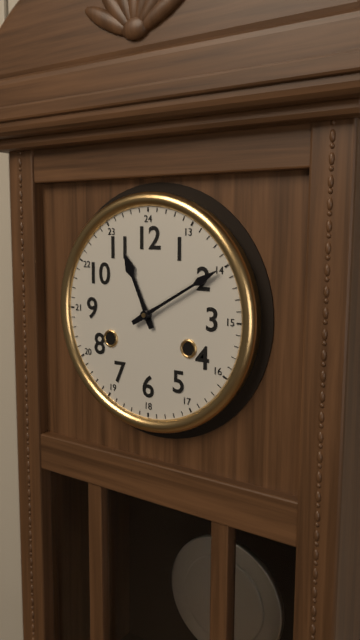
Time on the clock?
11:10
